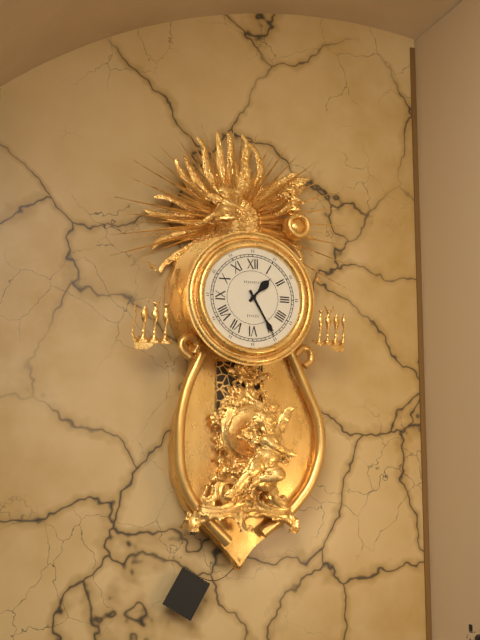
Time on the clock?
1:25
